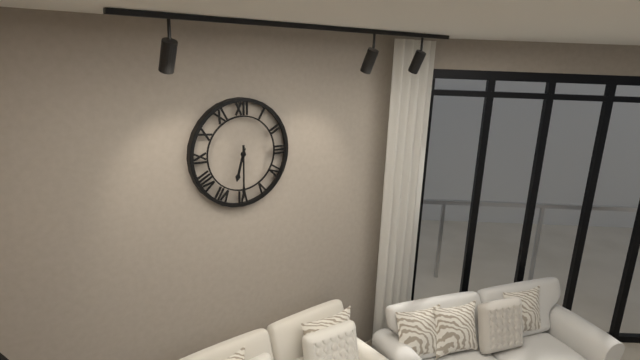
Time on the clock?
6:30
